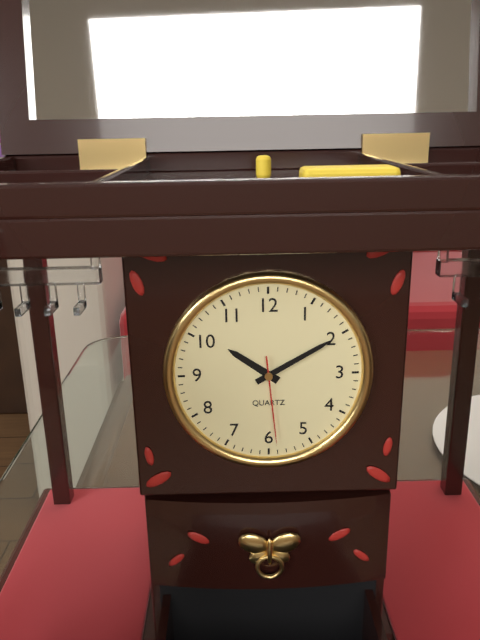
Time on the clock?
10:10:29
